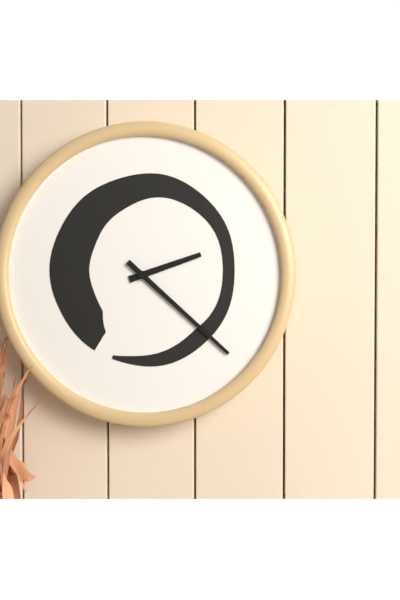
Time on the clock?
2:22
